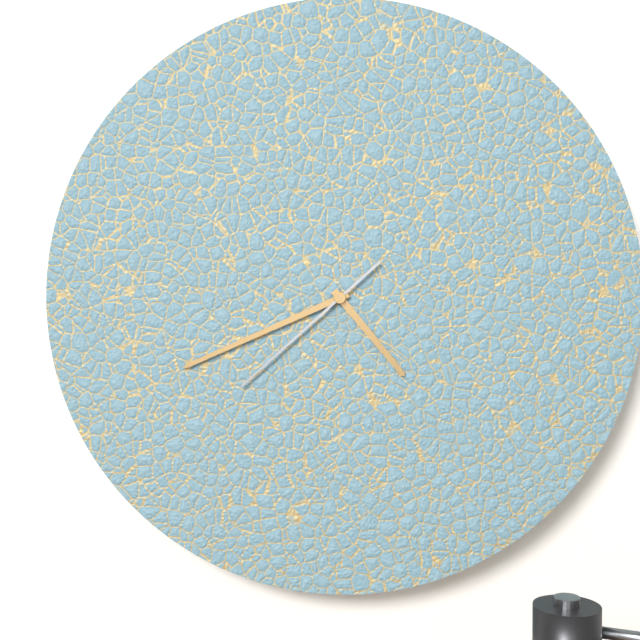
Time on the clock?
4:41:38
